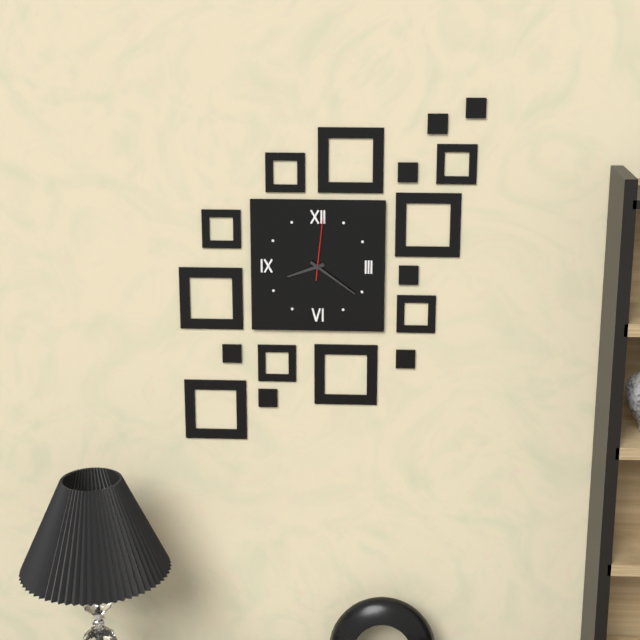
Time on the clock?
8:21:01
